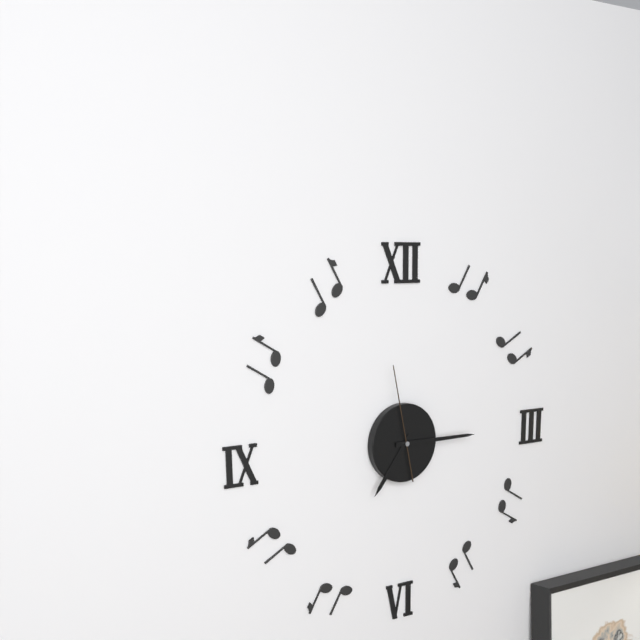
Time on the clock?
7:15:58
